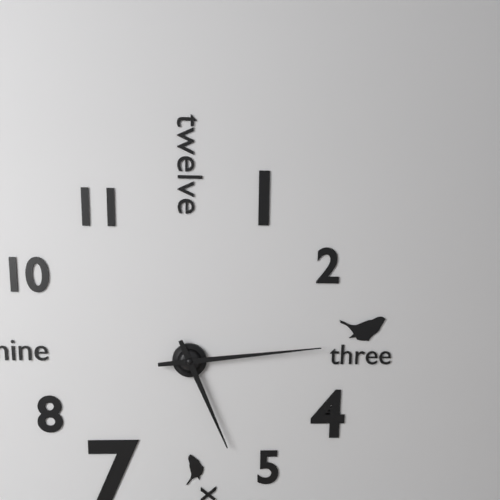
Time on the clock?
5:14
